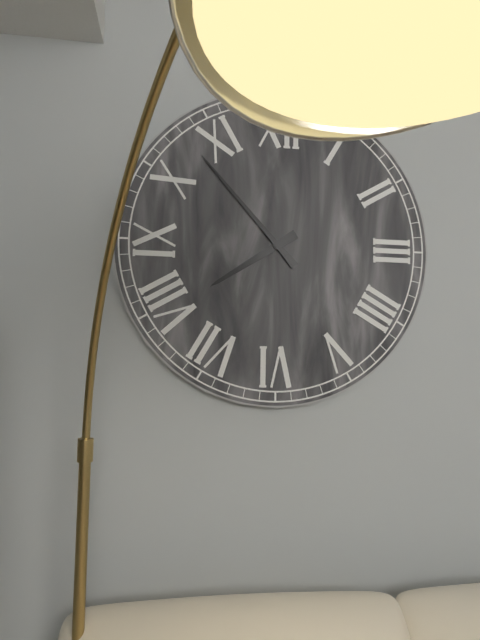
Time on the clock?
7:53
